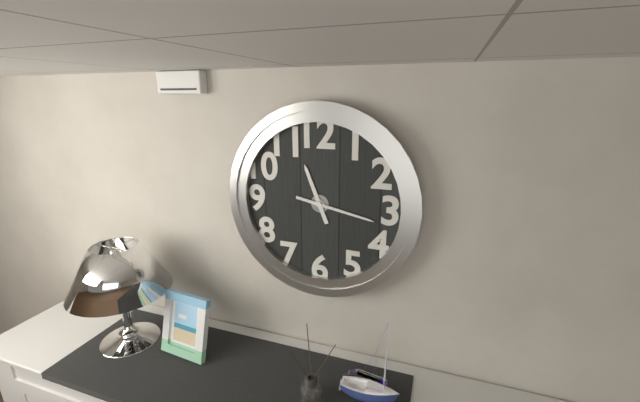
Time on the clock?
11:17
